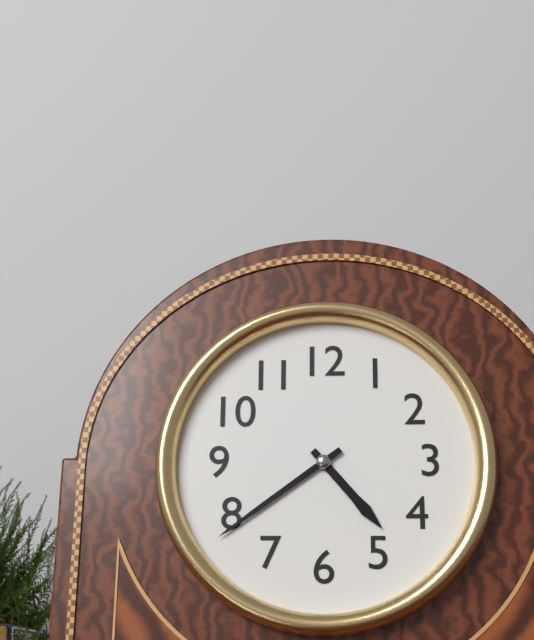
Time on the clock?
4:39
